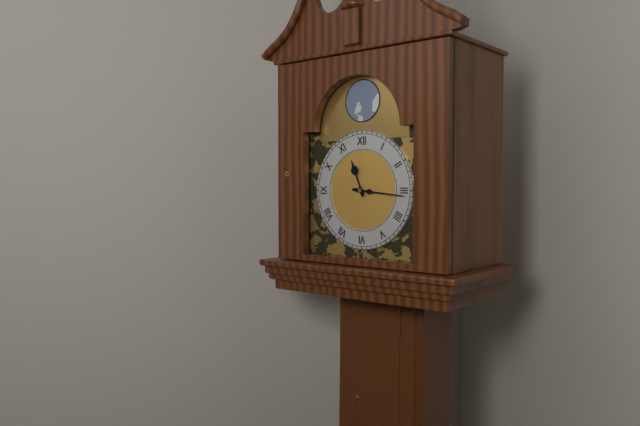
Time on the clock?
11:16
